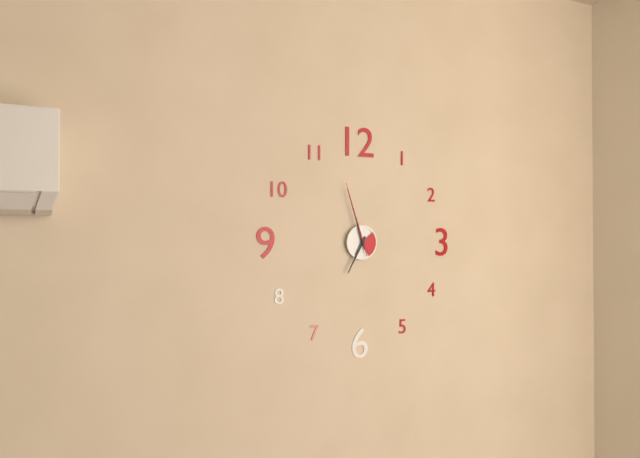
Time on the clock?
6:57:57
